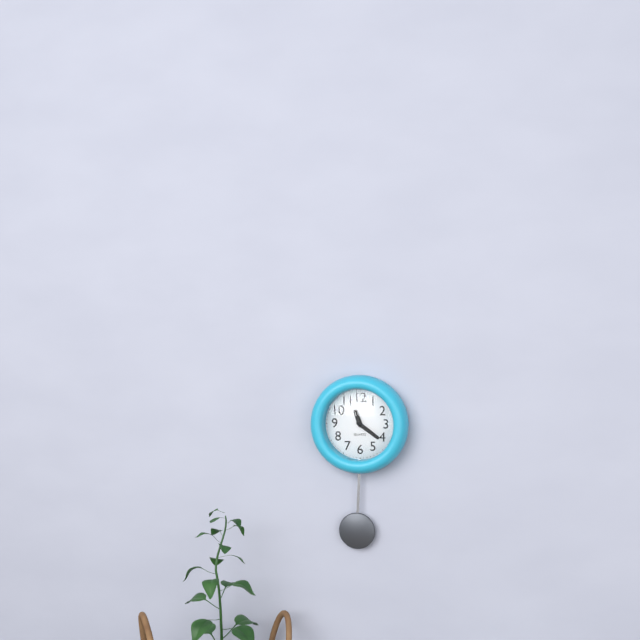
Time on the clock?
11:21
